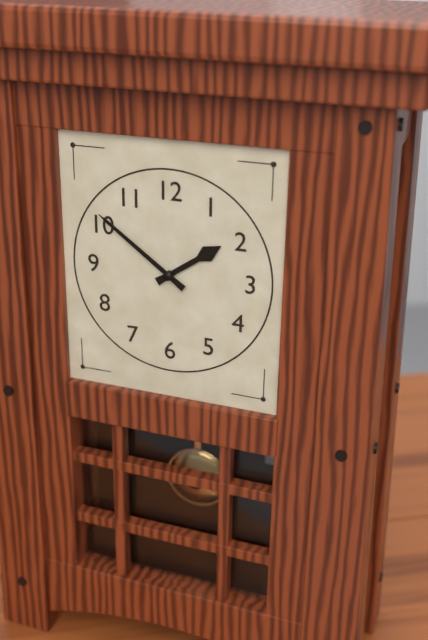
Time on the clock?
1:51
